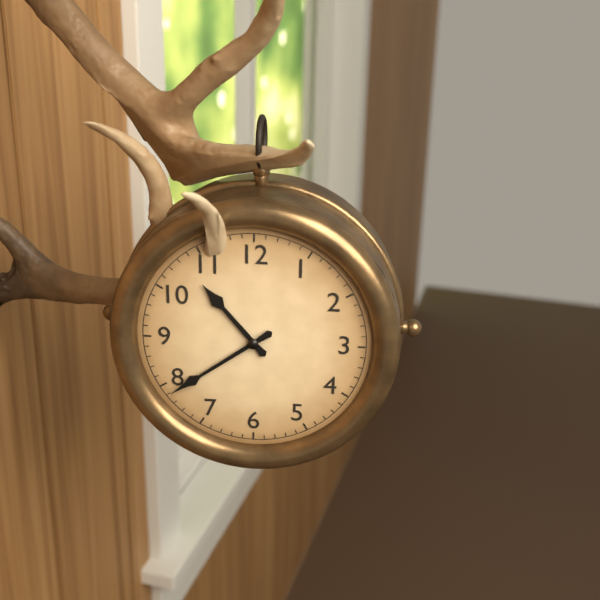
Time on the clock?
10:39
